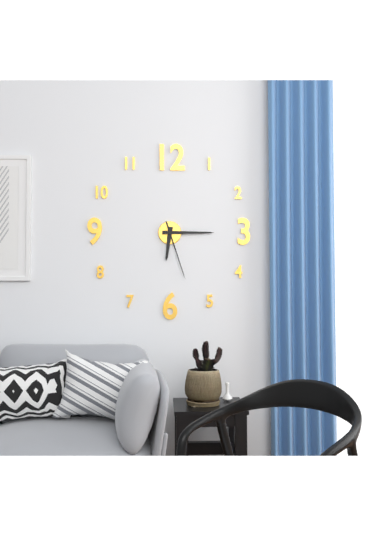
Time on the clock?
6:15:27
